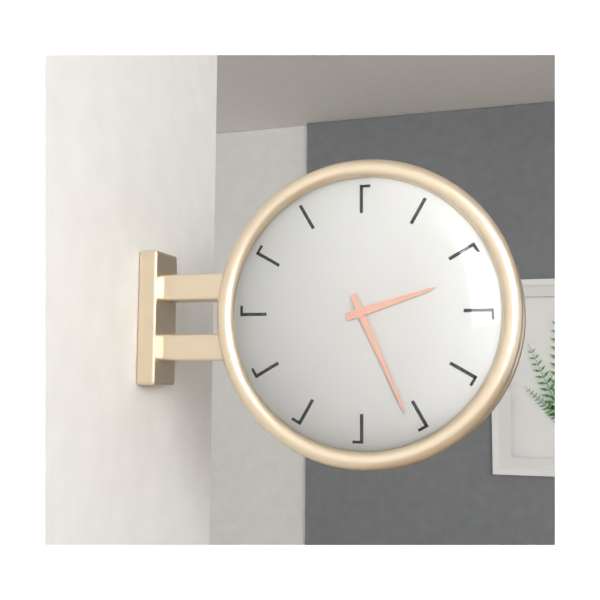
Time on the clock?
2:26
